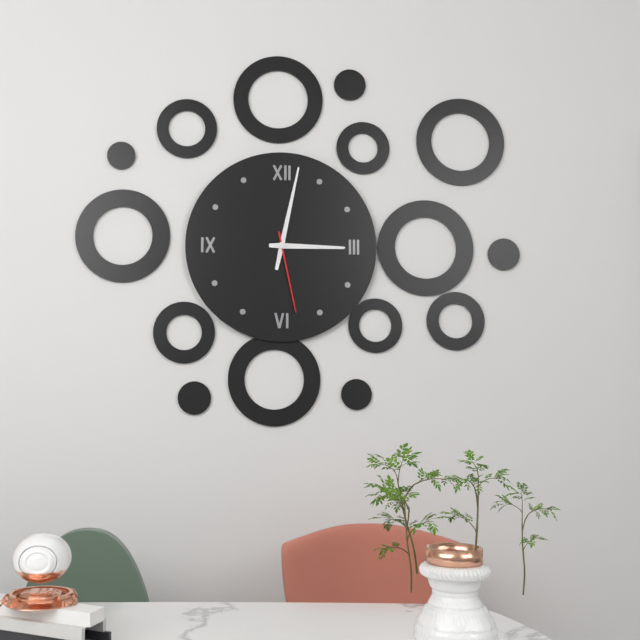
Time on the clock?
3:02:28
